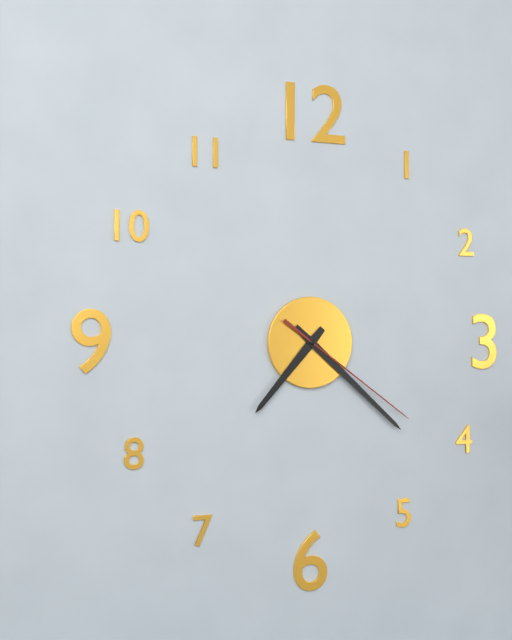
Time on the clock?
7:22:21
